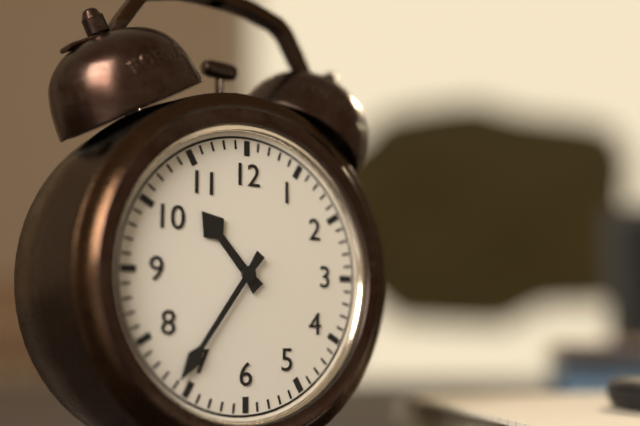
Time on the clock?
10:36
